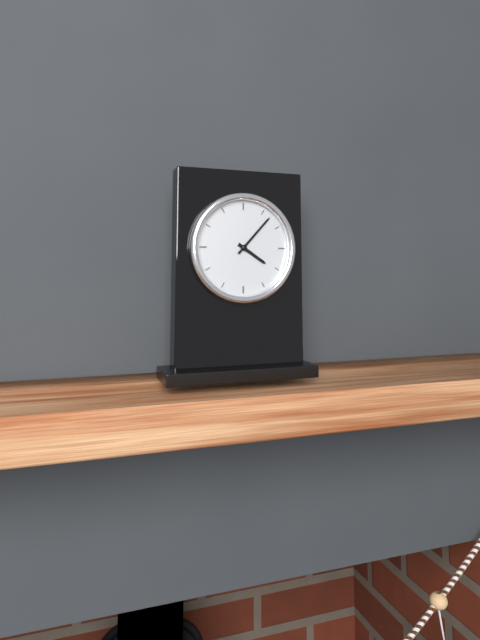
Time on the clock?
4:07
